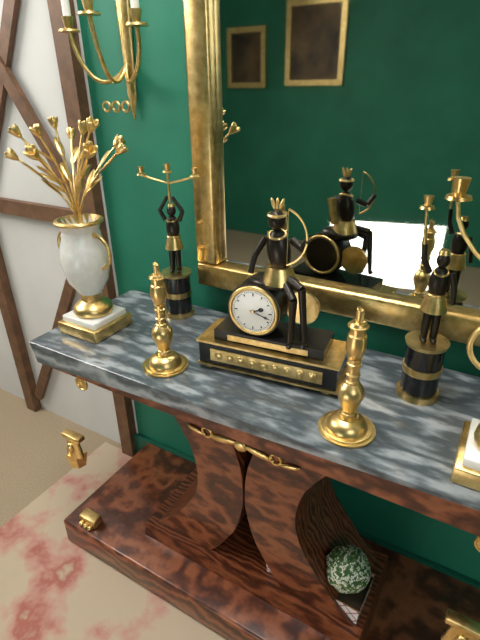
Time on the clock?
2:18
